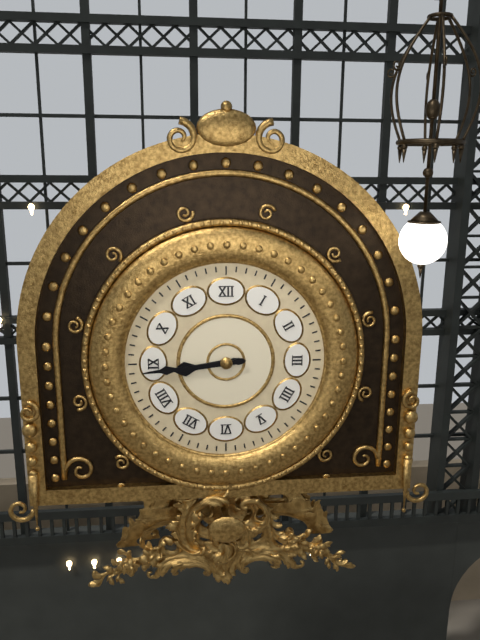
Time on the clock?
8:44
